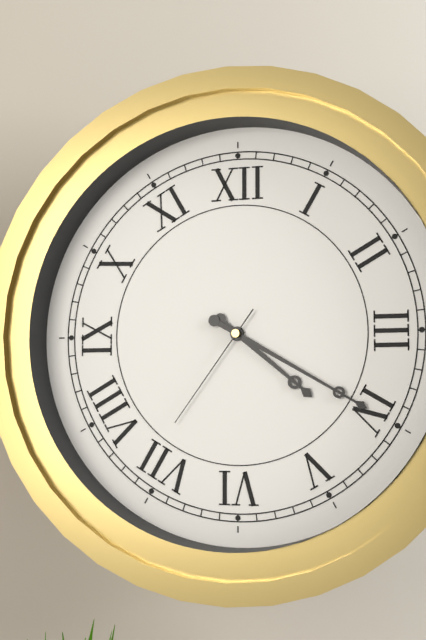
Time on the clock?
4:20:36
